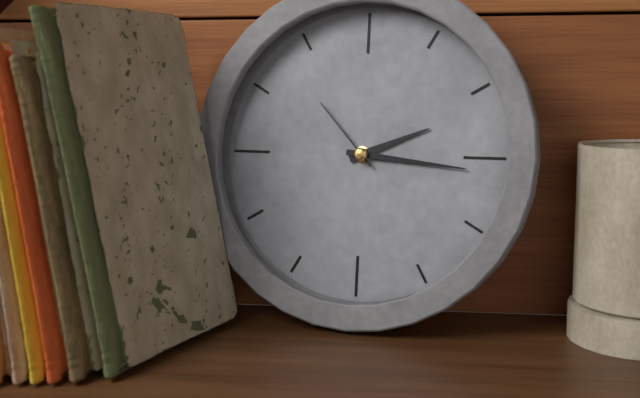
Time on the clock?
2:16:53
